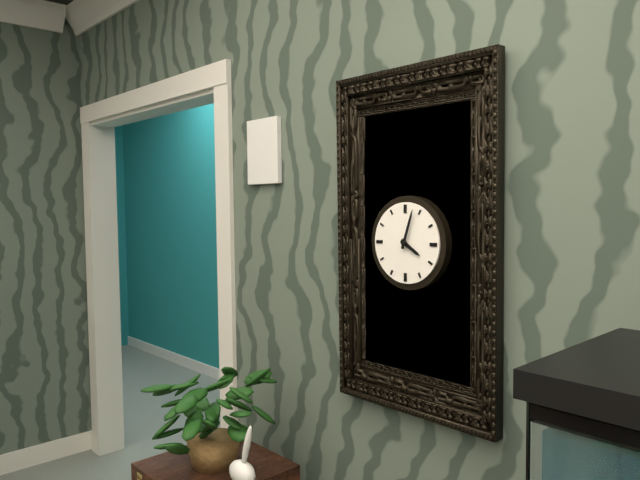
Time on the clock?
4:03
